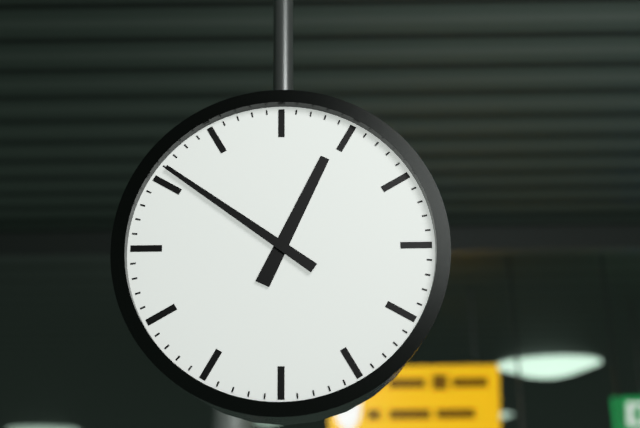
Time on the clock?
12:51
